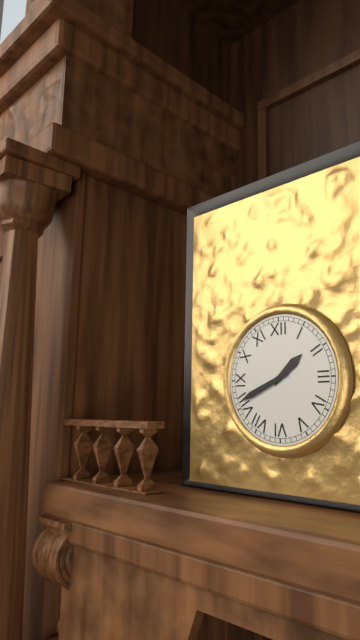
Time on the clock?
1:41
